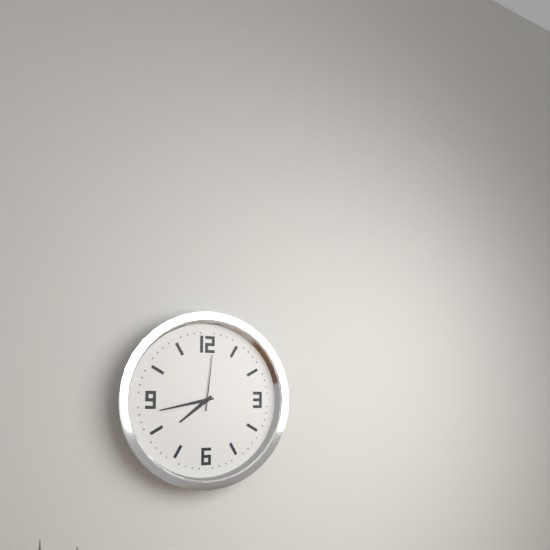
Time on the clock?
7:43:01
